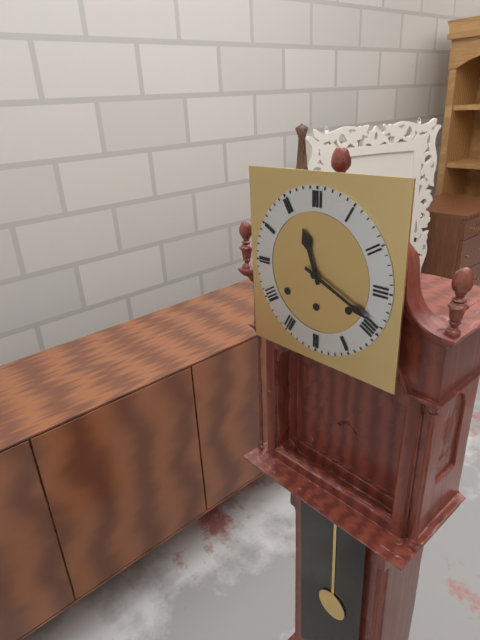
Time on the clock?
11:19
